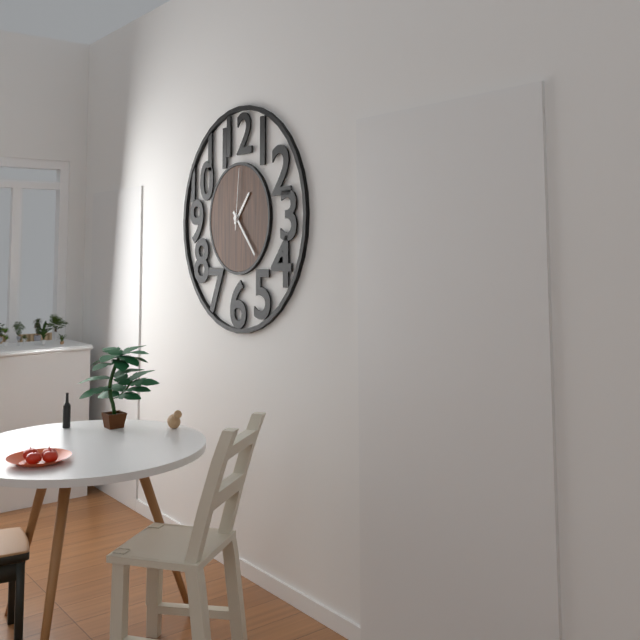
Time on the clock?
1:23:01
